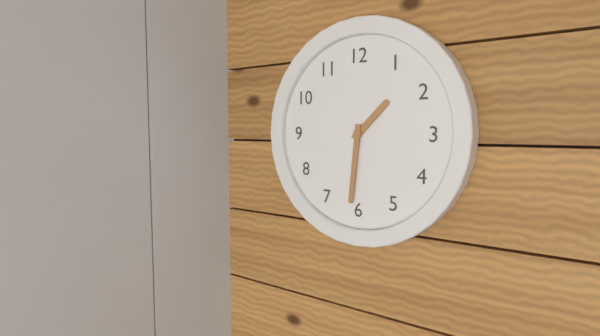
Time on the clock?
1:31
